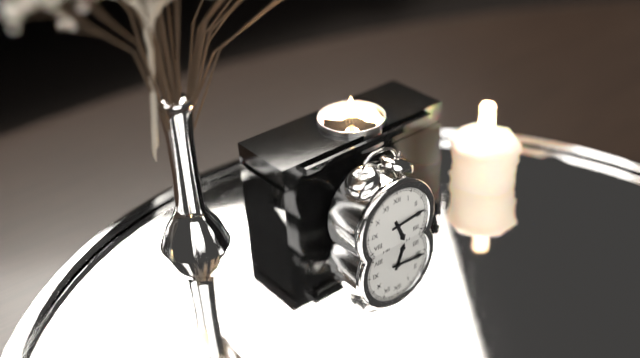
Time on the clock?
5:14
